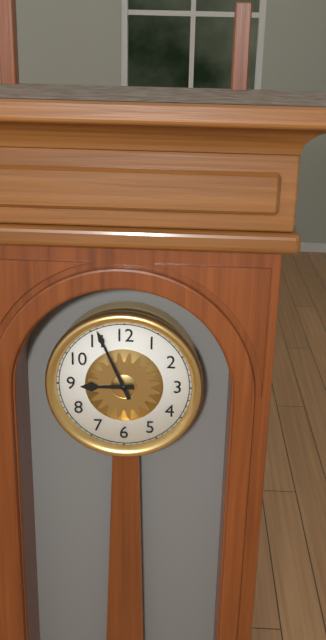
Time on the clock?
8:56
